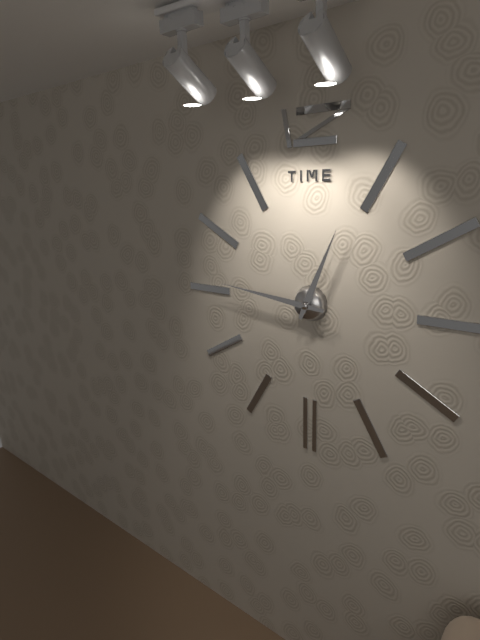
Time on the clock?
12:46
